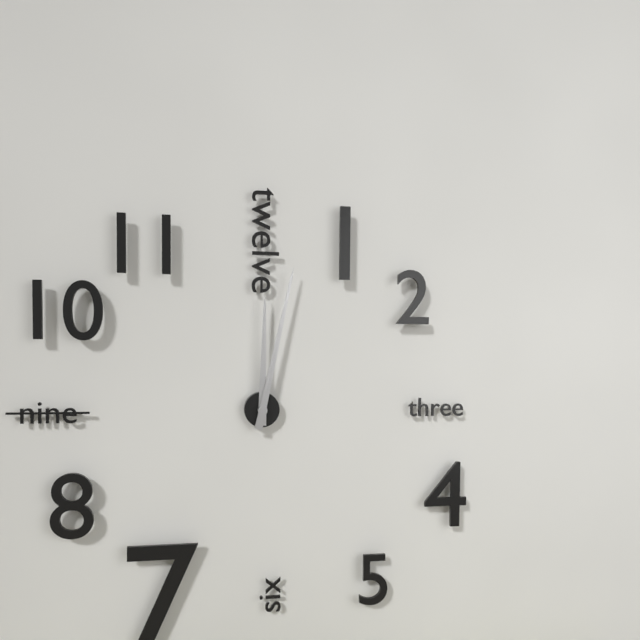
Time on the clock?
12:02
